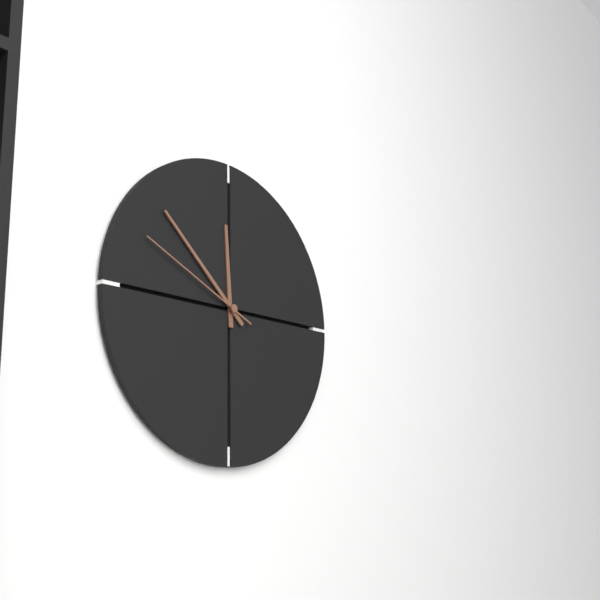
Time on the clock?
11:52:49
